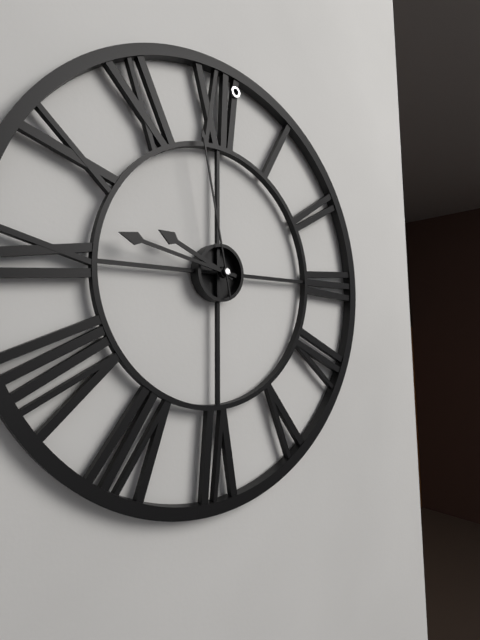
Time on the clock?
9:47:58
